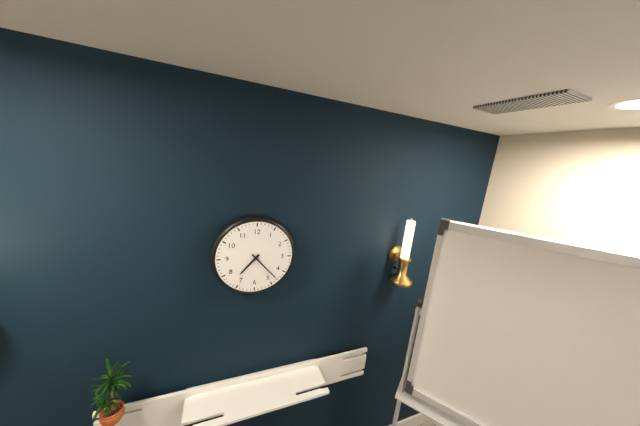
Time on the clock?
7:23
